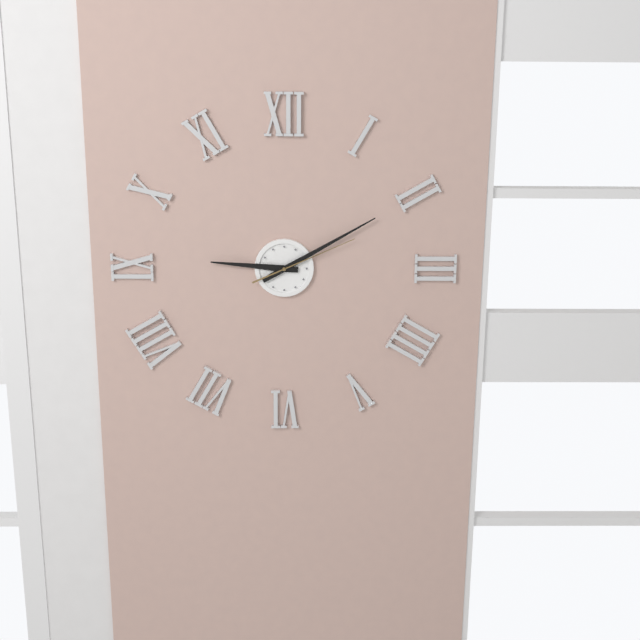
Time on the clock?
9:10:11
